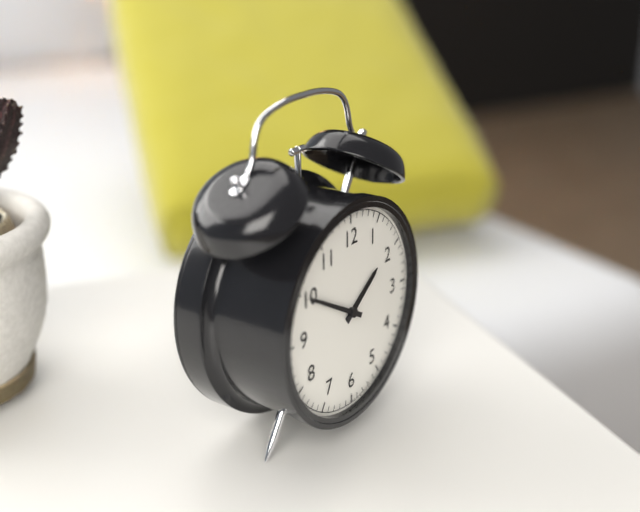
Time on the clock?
1:50
